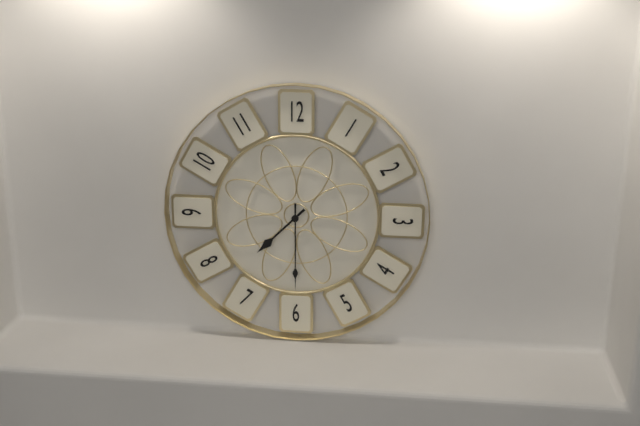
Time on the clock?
7:30
